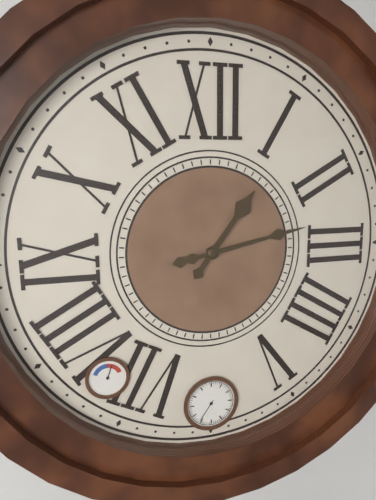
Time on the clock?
1:13
